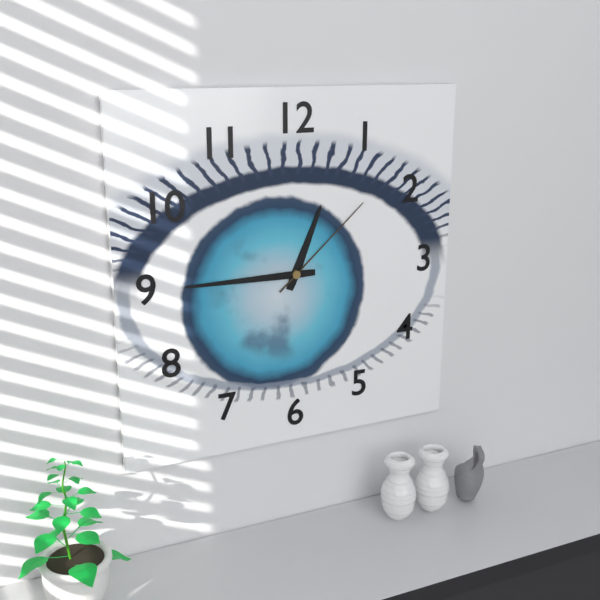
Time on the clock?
12:45:08
